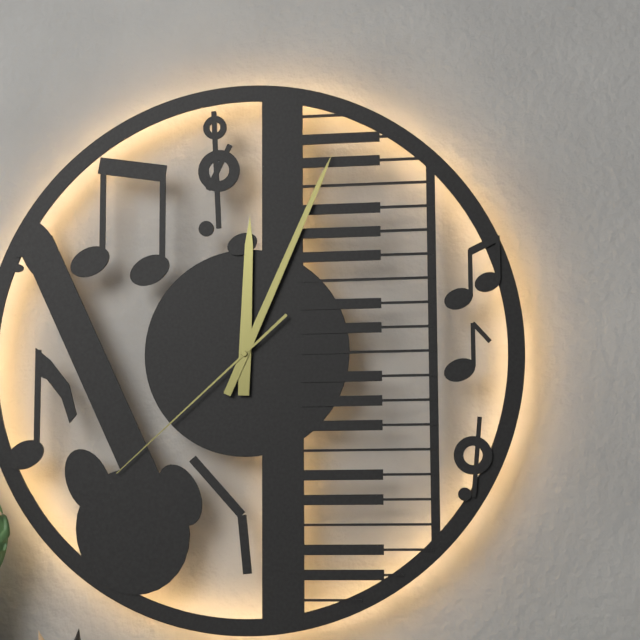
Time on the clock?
12:04:38
